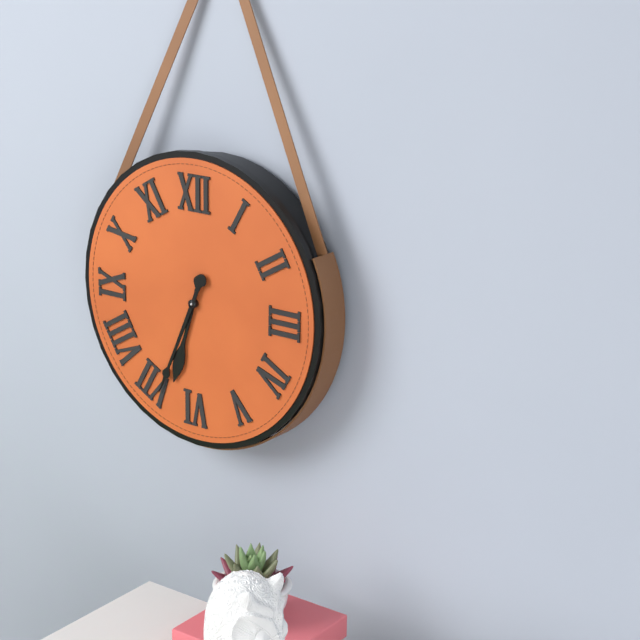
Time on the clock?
6:34
